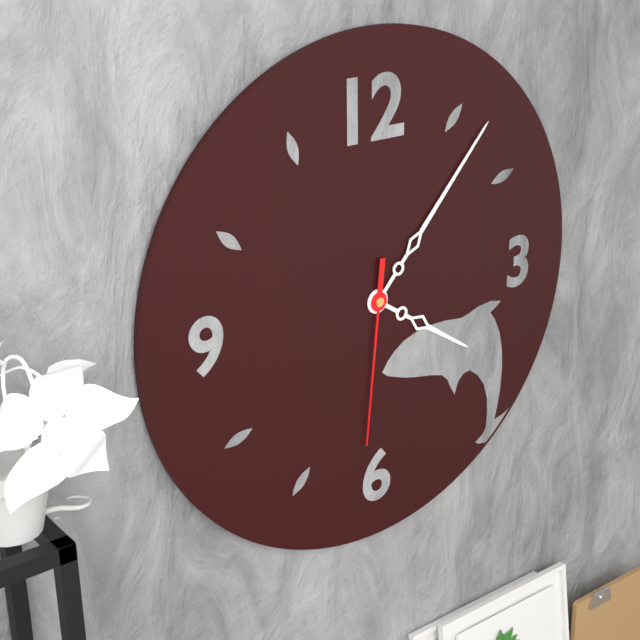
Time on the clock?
4:07:31
